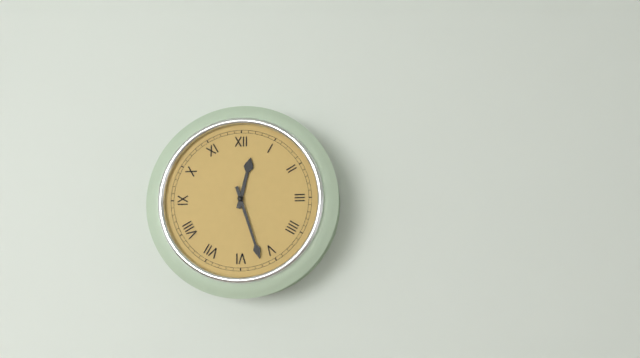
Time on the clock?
12:27
